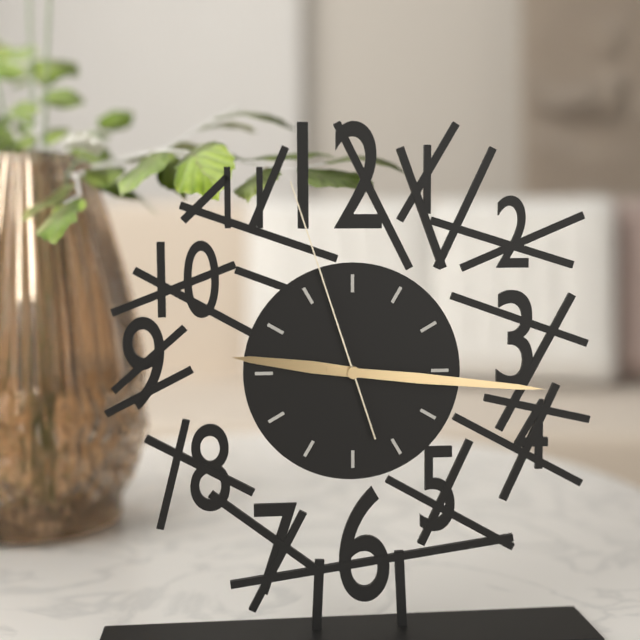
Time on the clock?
9:16:57
